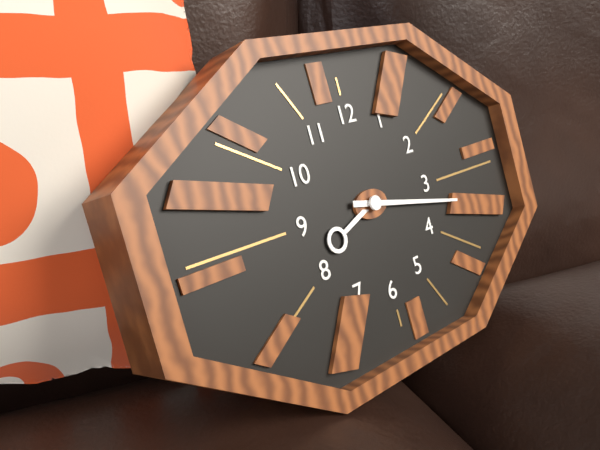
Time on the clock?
8:17
